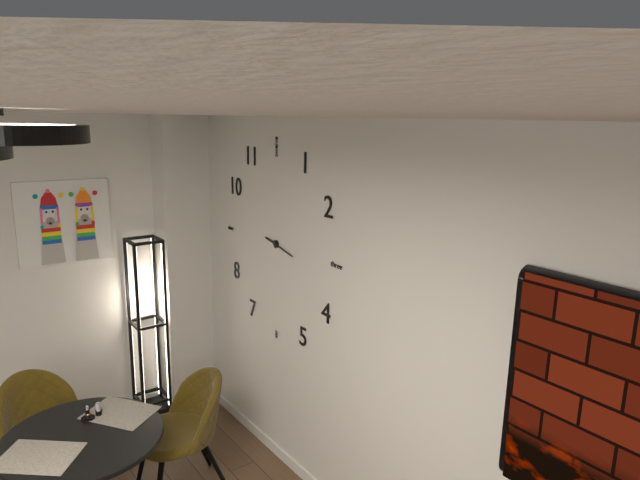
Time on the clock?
9:17
